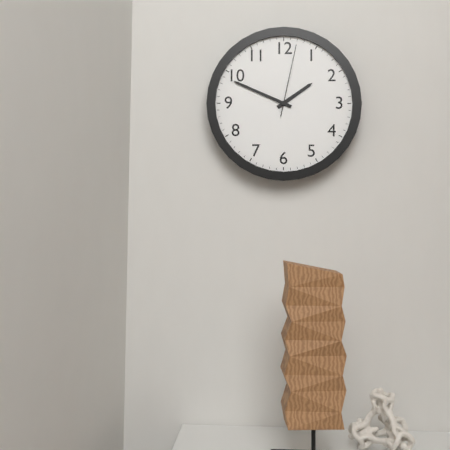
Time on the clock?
1:49:02
